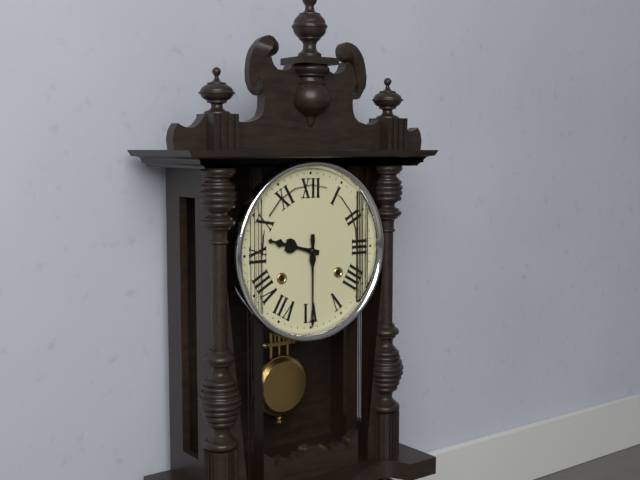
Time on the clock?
9:30
